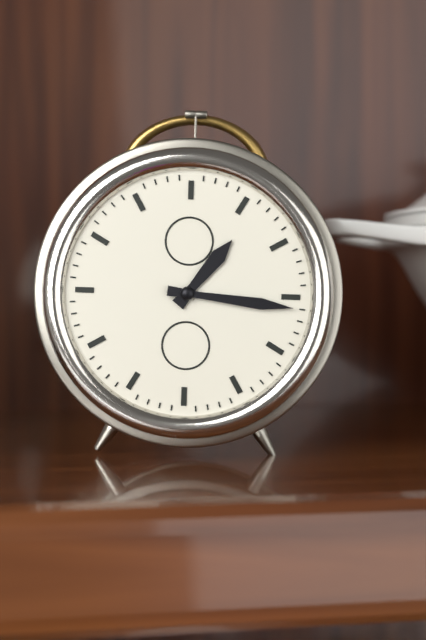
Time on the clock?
1:16
